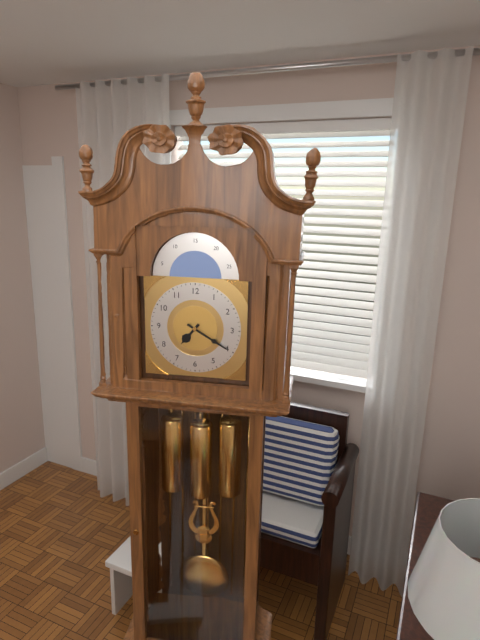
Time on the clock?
7:20
